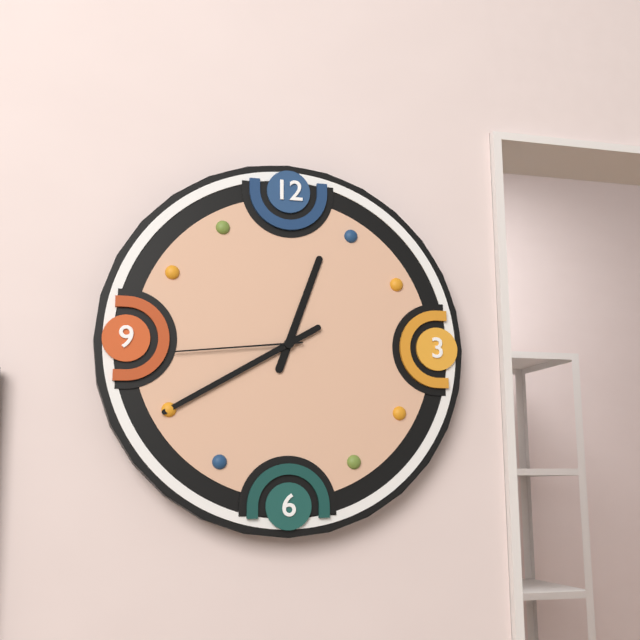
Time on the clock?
12:40:44
